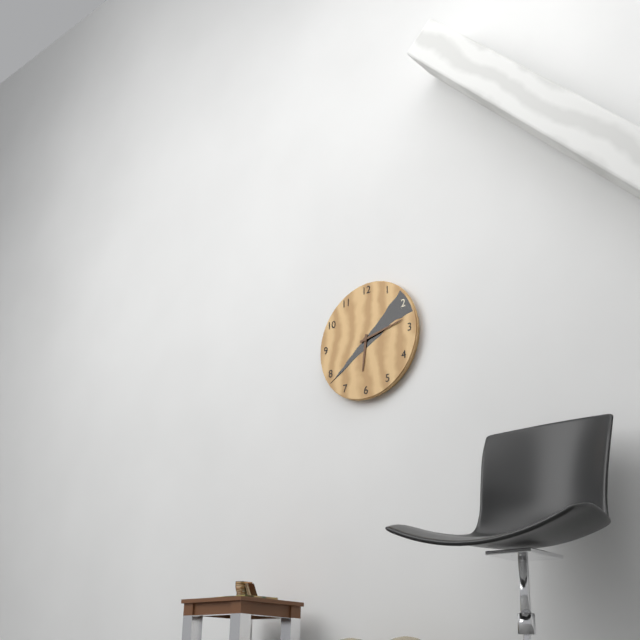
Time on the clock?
6:13
